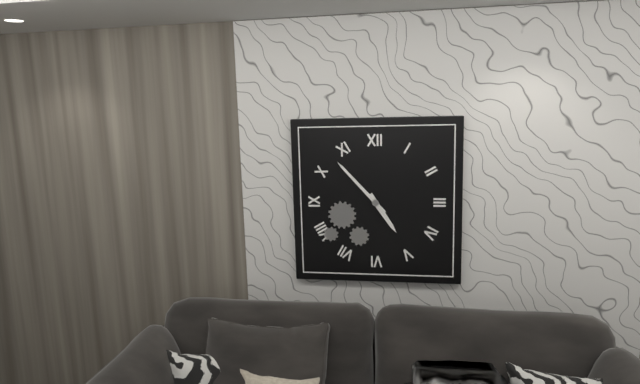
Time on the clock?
4:53
